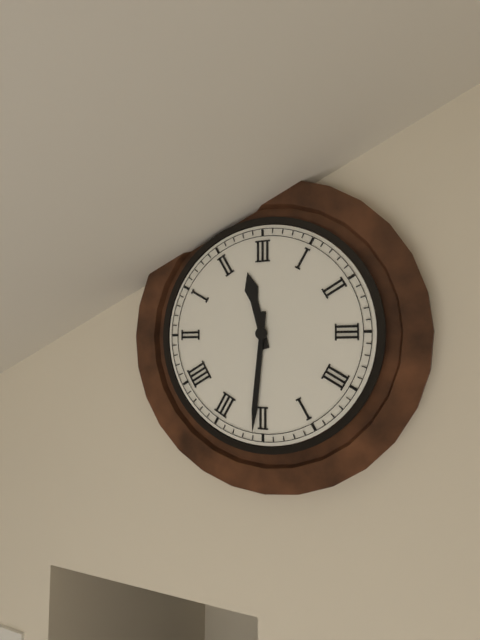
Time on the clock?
11:31
